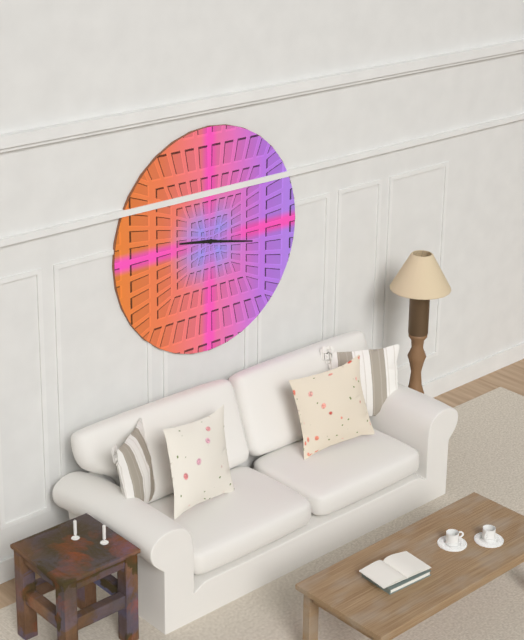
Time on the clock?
9:17
